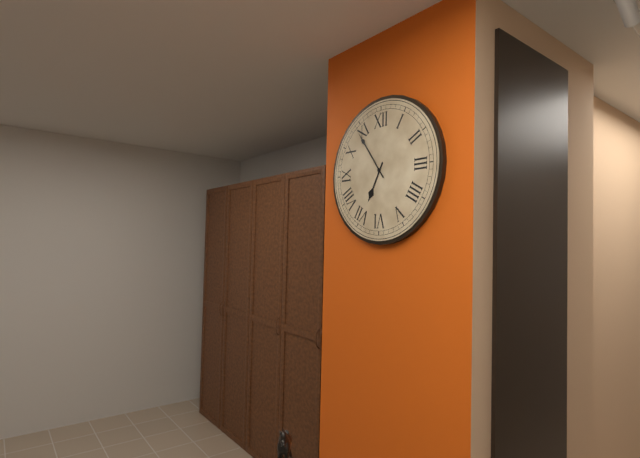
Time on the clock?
6:54
